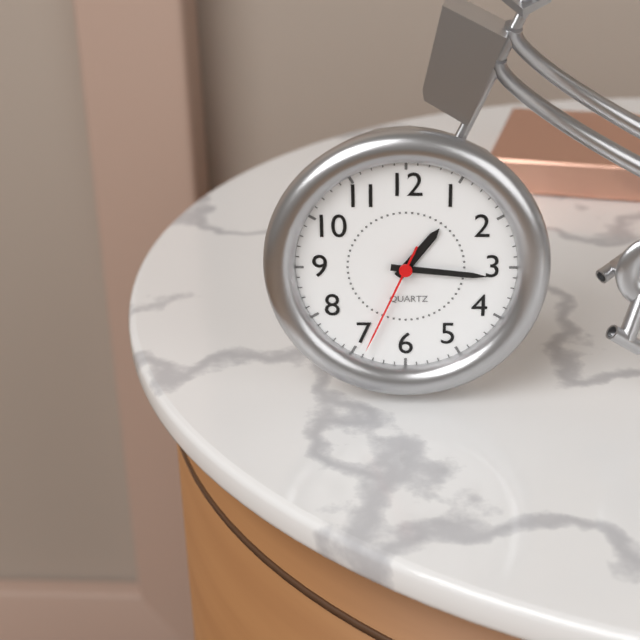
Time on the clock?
1:16:34
